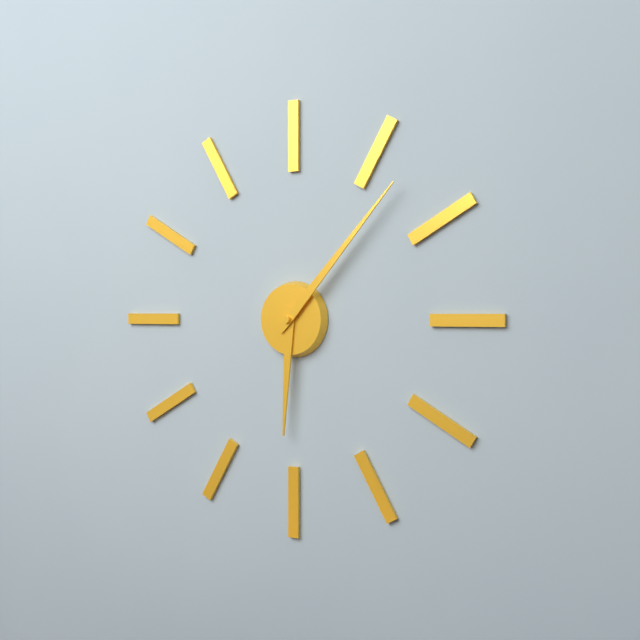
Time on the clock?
6:07
